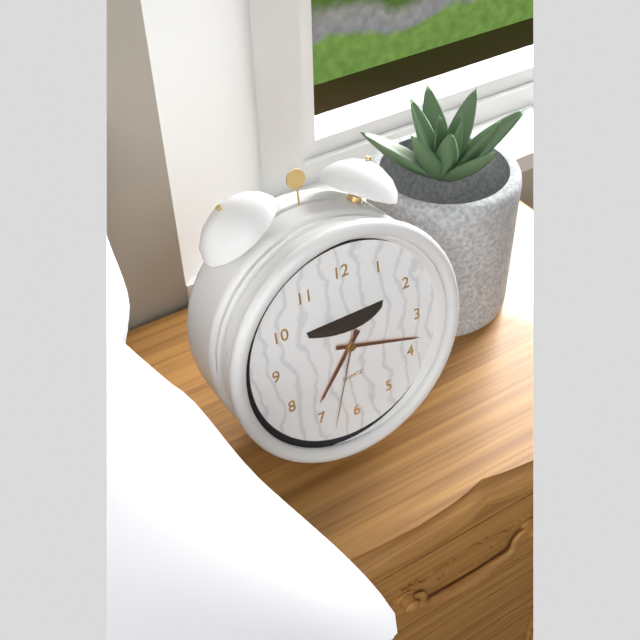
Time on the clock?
7:18:33
